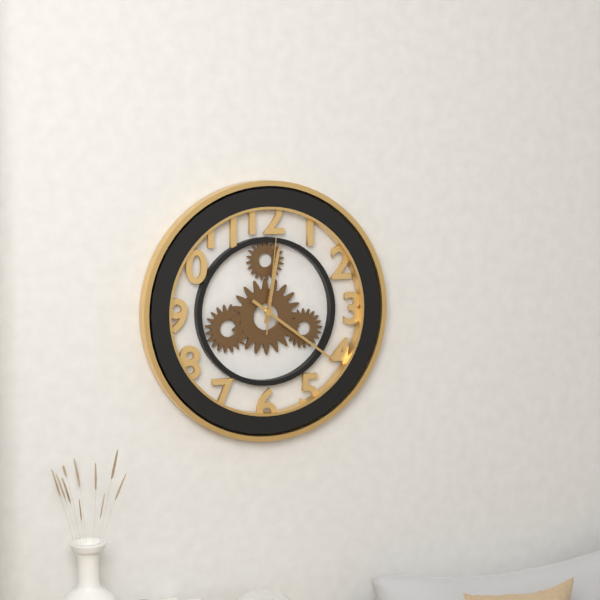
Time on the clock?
12:21:01
